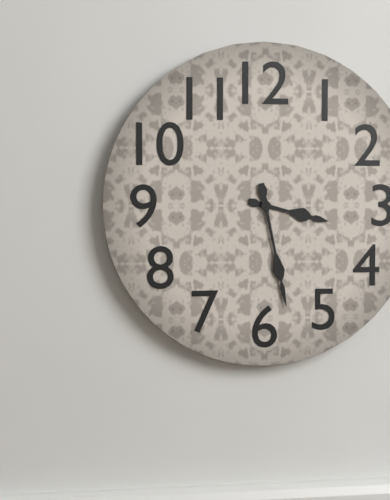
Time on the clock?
3:28
